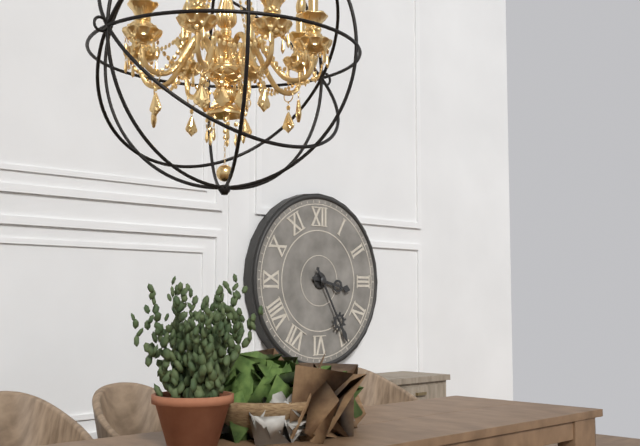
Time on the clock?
3:25
